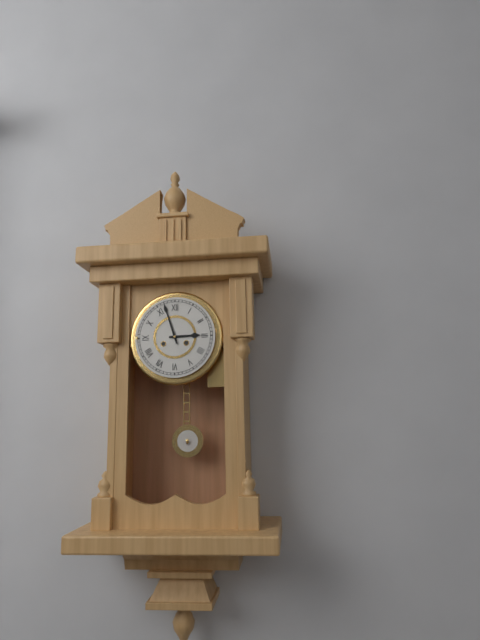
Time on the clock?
2:57
